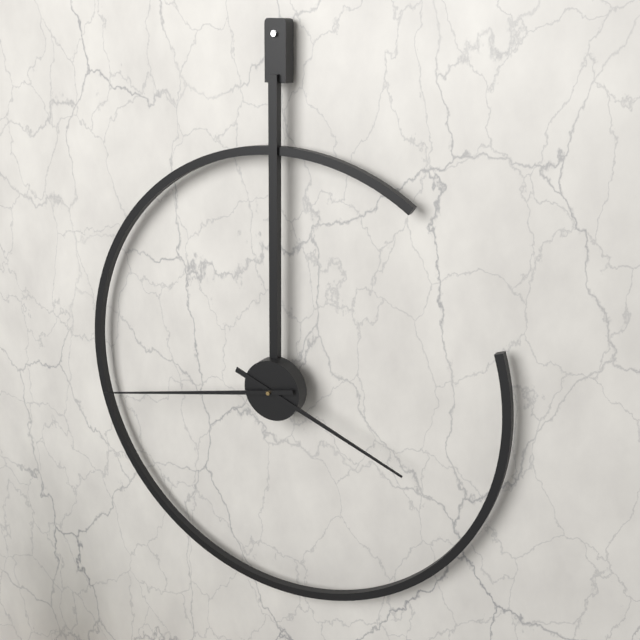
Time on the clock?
3:43
